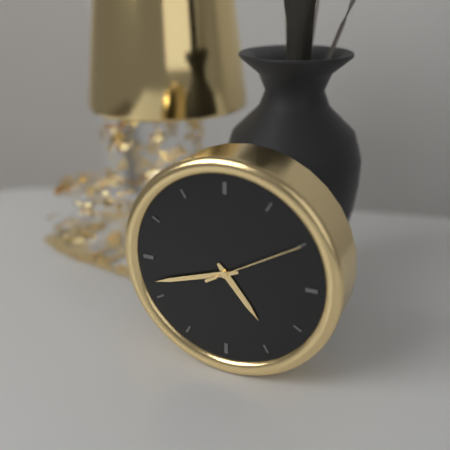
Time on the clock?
4:42:10
